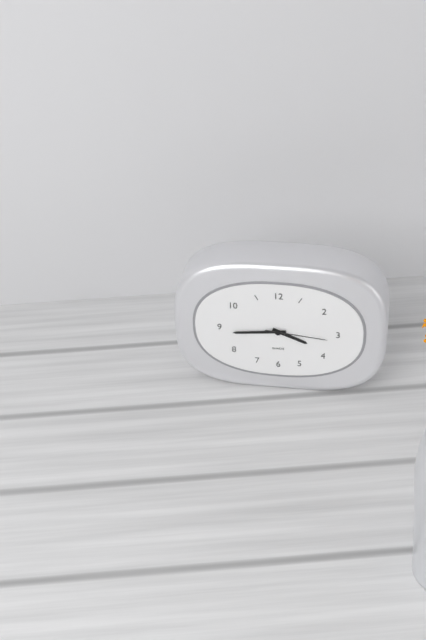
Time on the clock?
3:44:16
